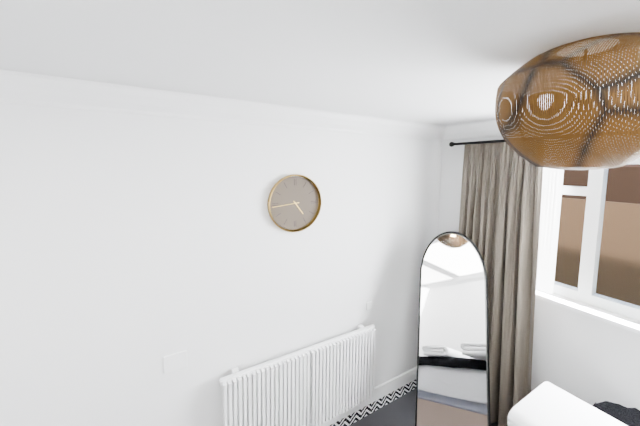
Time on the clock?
4:44
